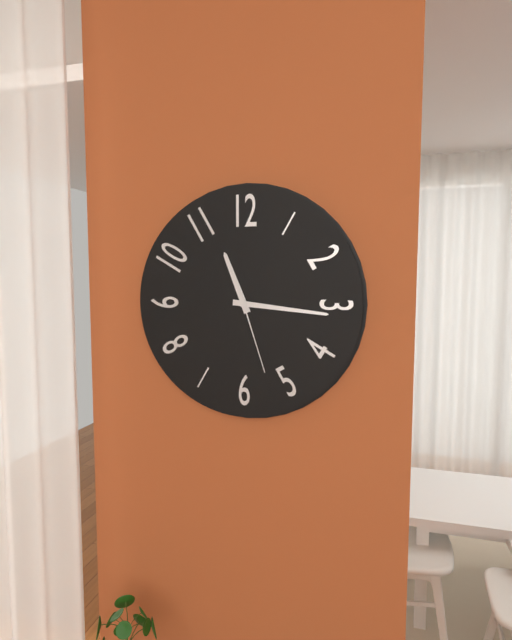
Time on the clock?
11:16:27
